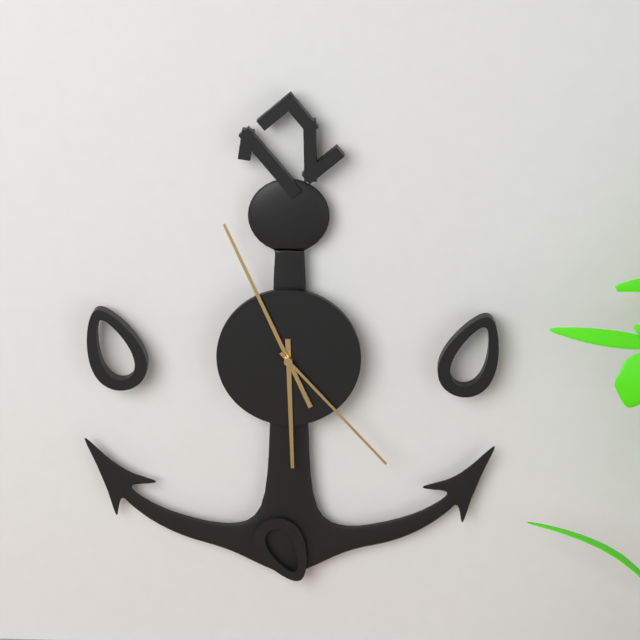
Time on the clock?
5:56:23
